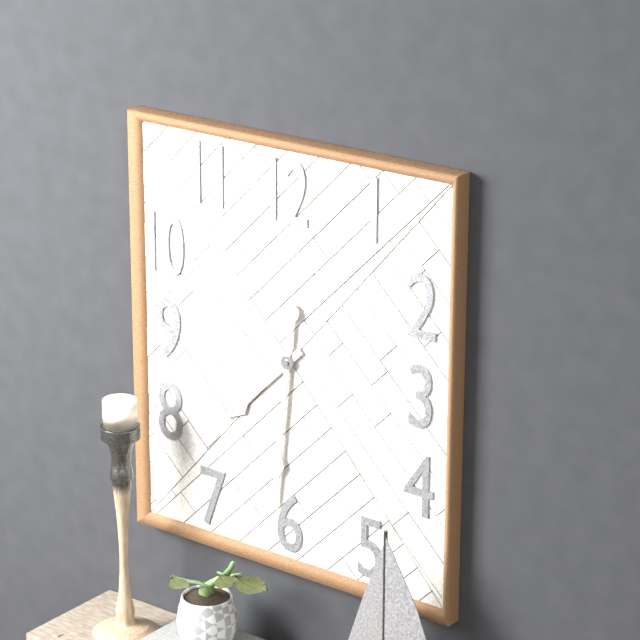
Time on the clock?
7:31
